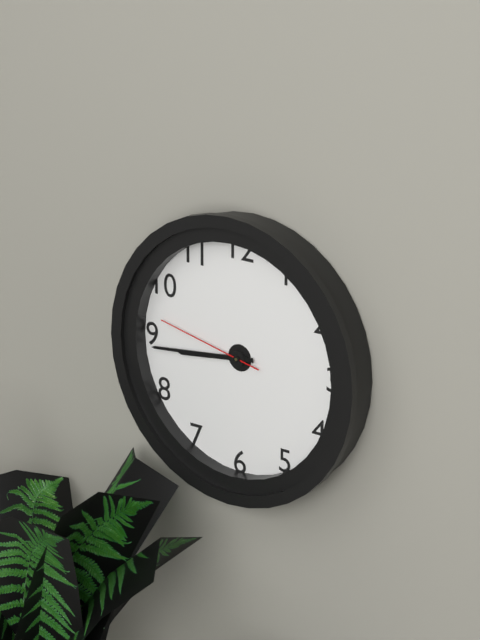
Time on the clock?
8:44:47
